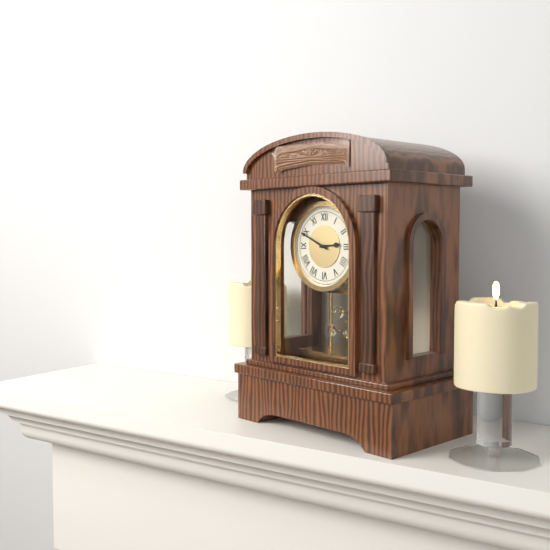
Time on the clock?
2:49
